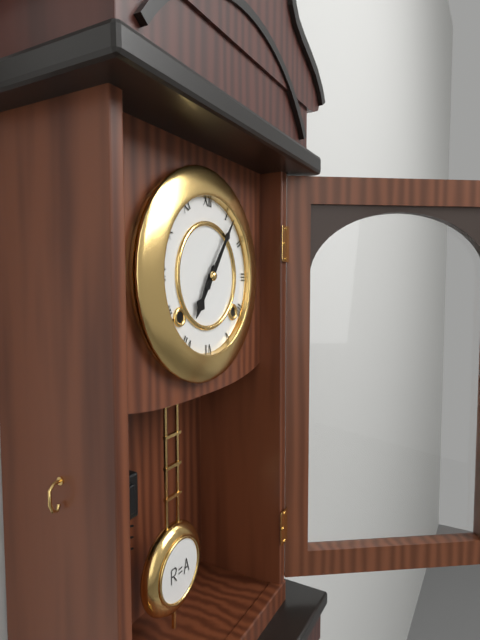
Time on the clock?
7:06
